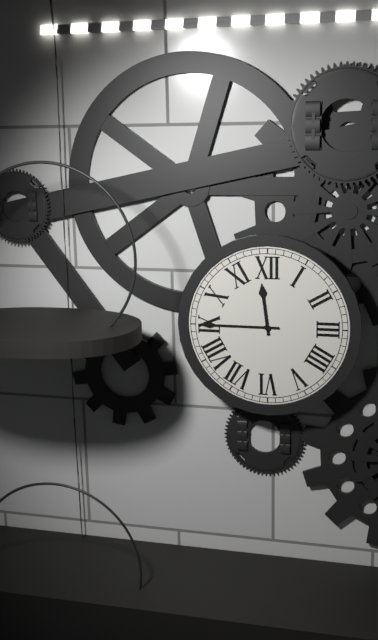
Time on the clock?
11:45
